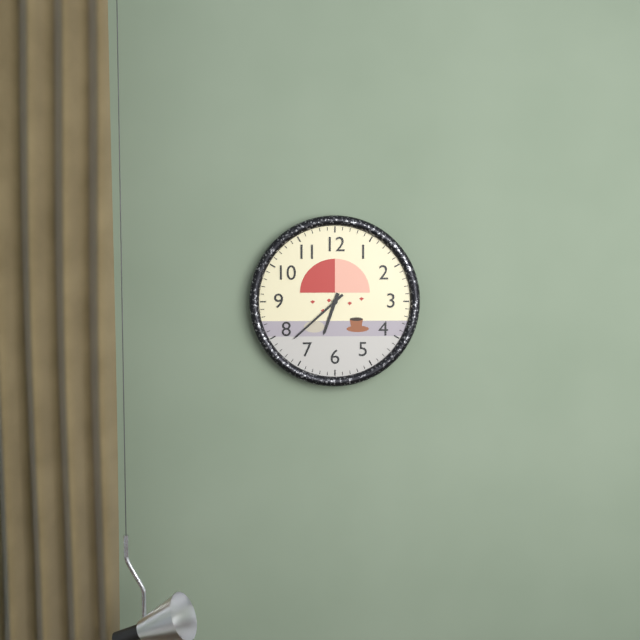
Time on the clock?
6:38
